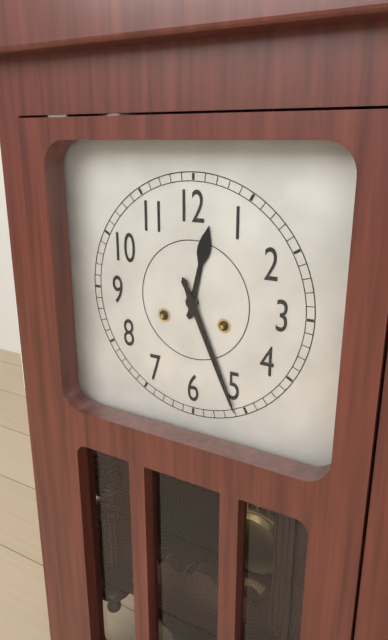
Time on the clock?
12:26
